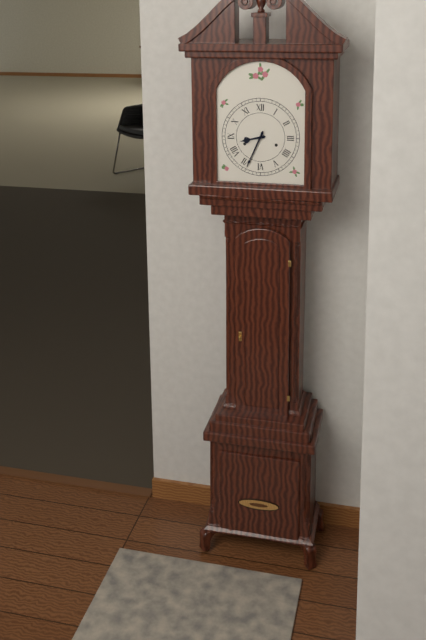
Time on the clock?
8:34
